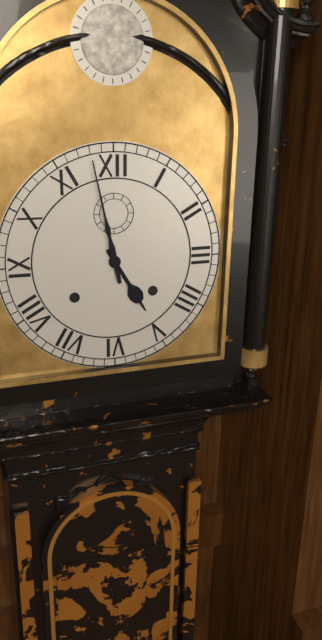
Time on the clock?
4:58
